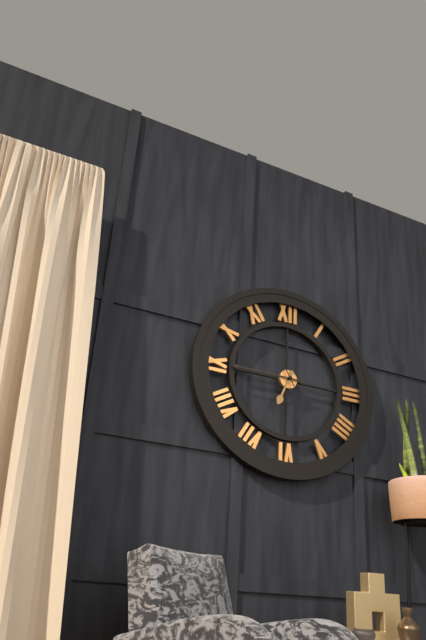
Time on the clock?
6:45
